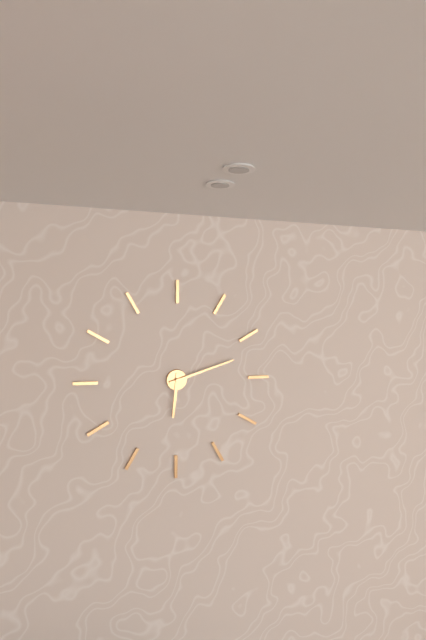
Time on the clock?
6:12
